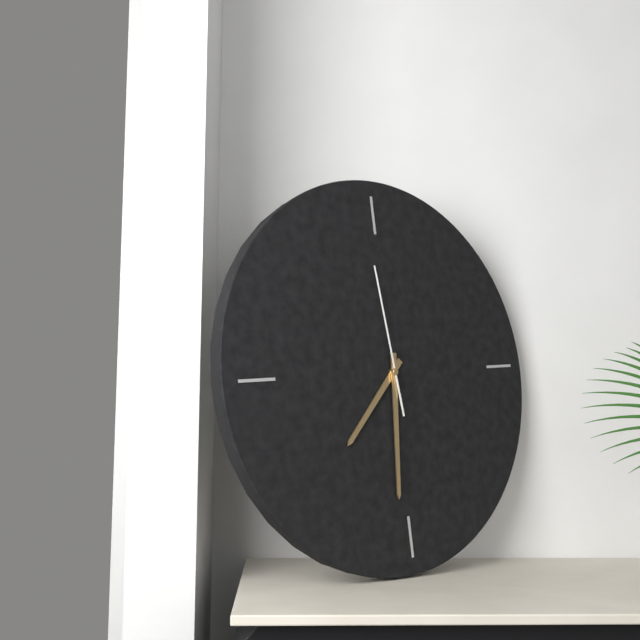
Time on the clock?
7:31:59
